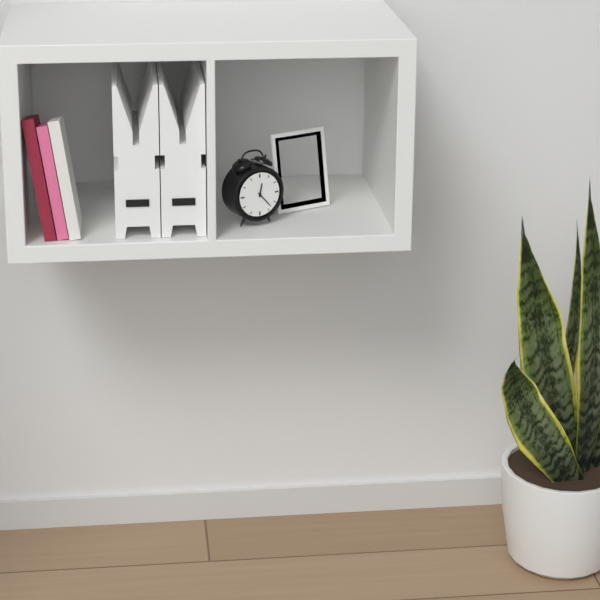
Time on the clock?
12:23
